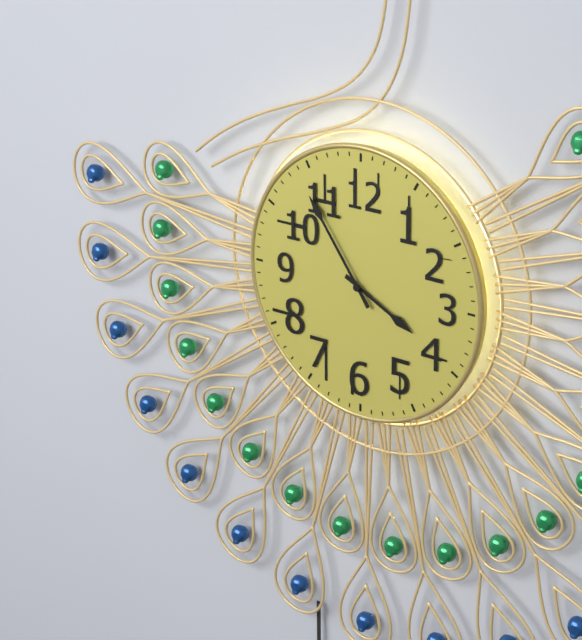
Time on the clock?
3:54
